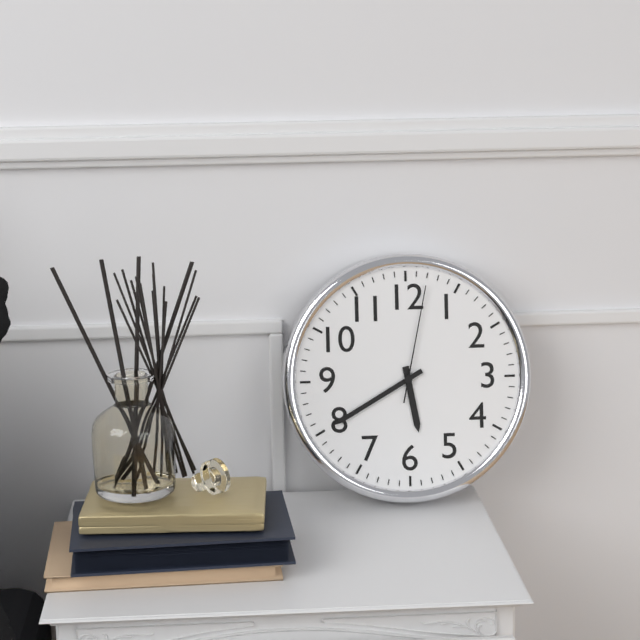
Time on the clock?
5:40:02
